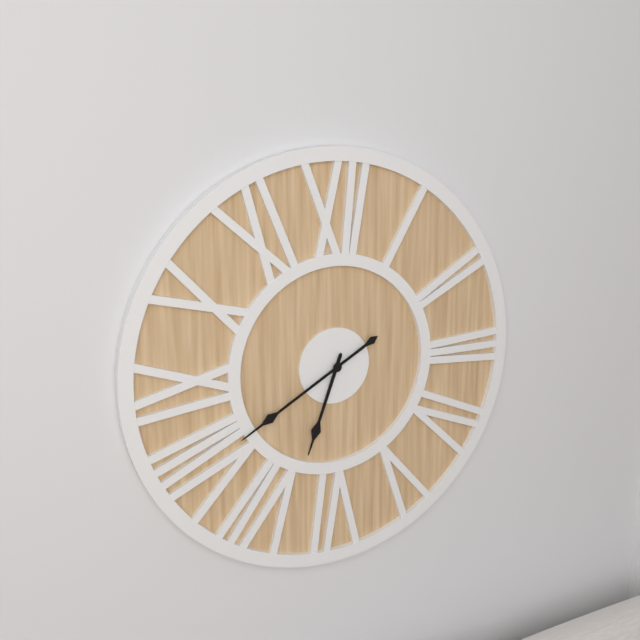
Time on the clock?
6:40
